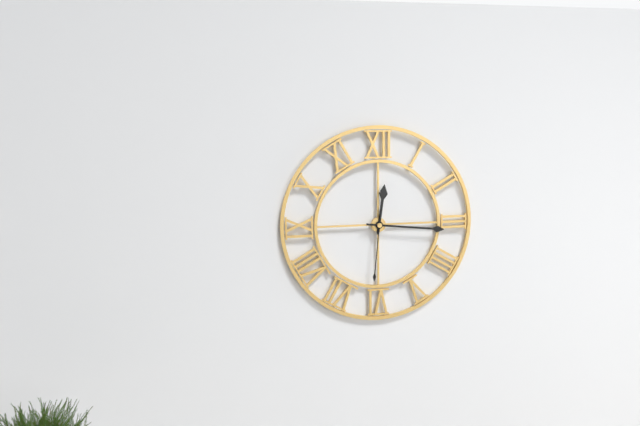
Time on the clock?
12:16:31
